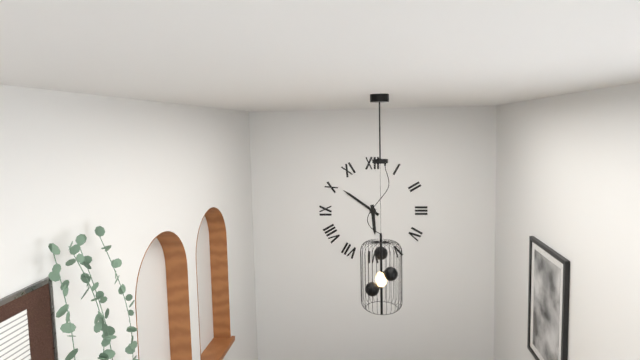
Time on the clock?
5:51
